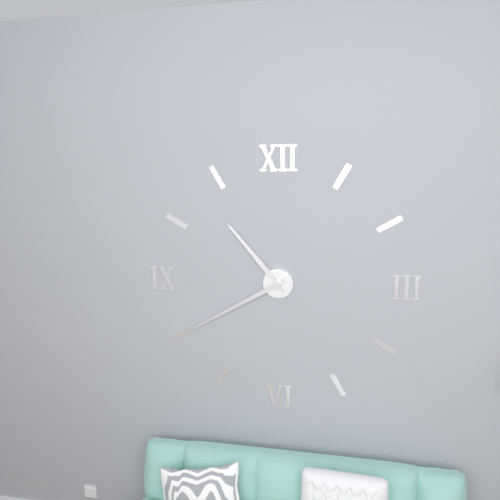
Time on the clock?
10:40
